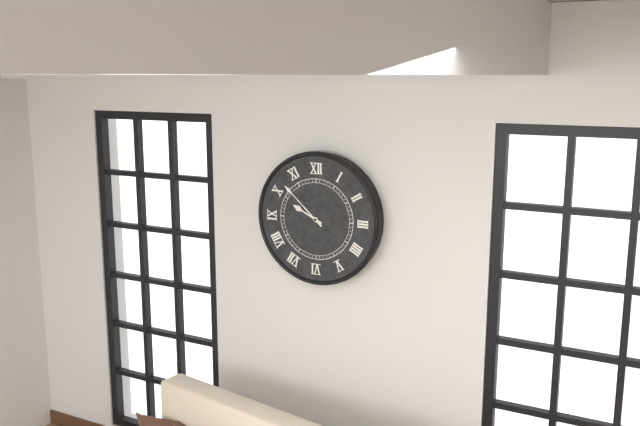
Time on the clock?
9:52
